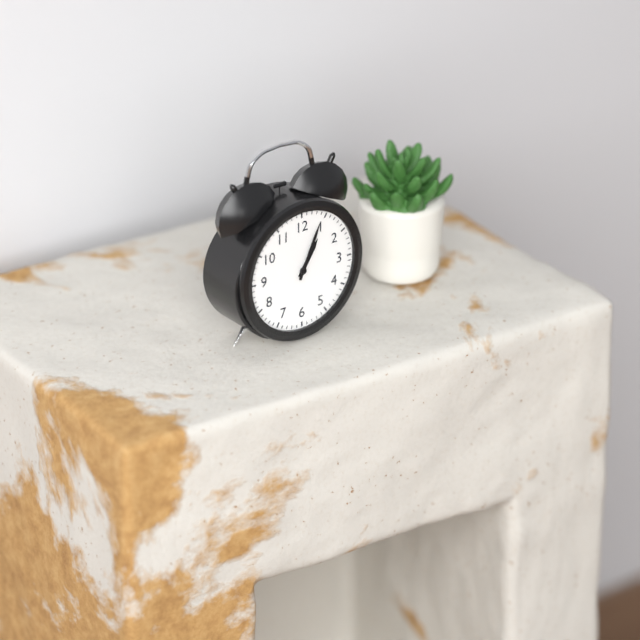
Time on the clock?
1:04
